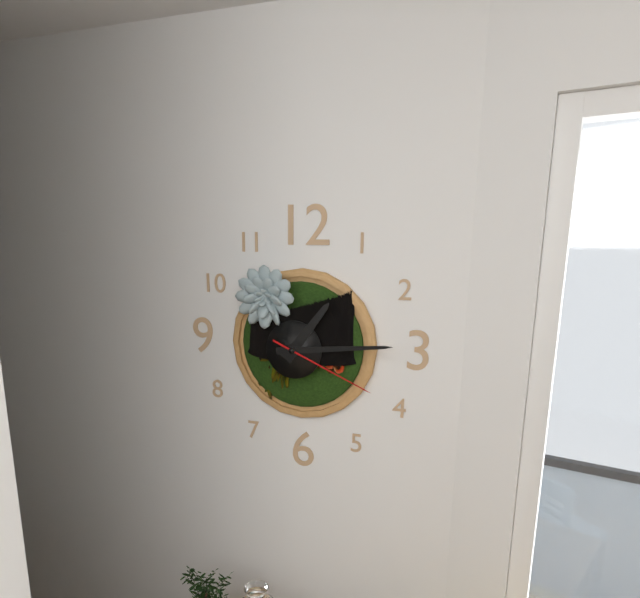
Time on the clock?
1:14:19
